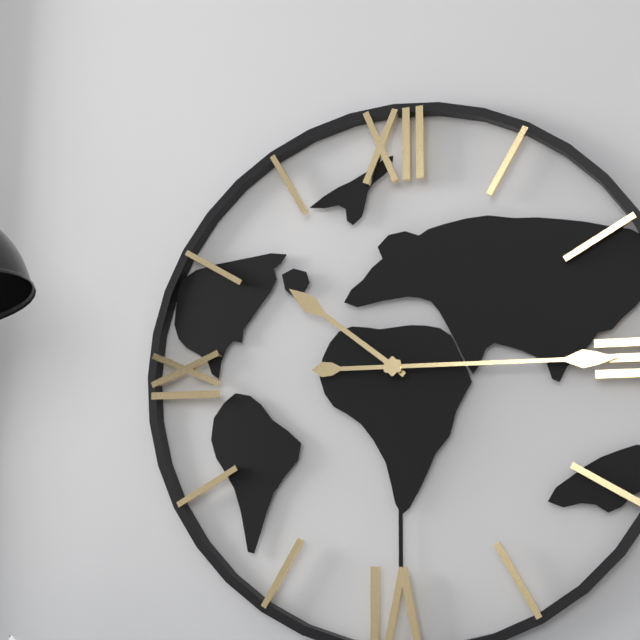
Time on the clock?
10:15
